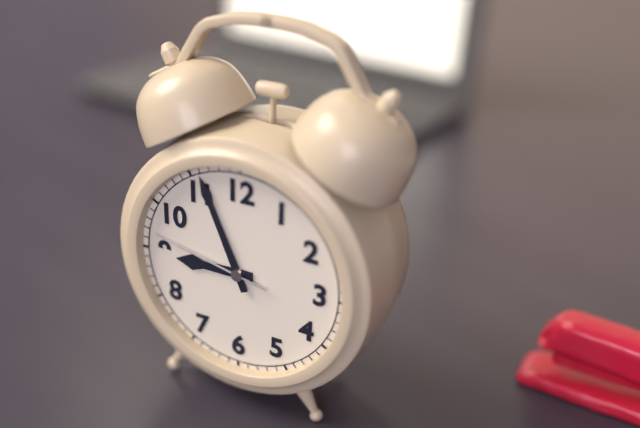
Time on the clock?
8:56:47
